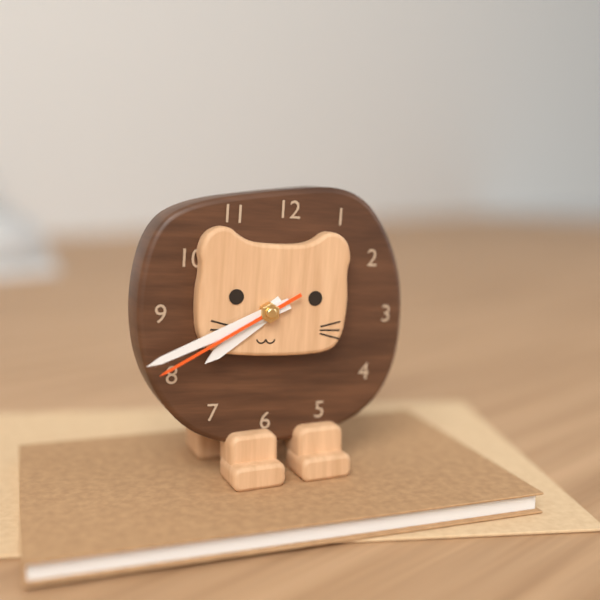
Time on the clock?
7:41:40
